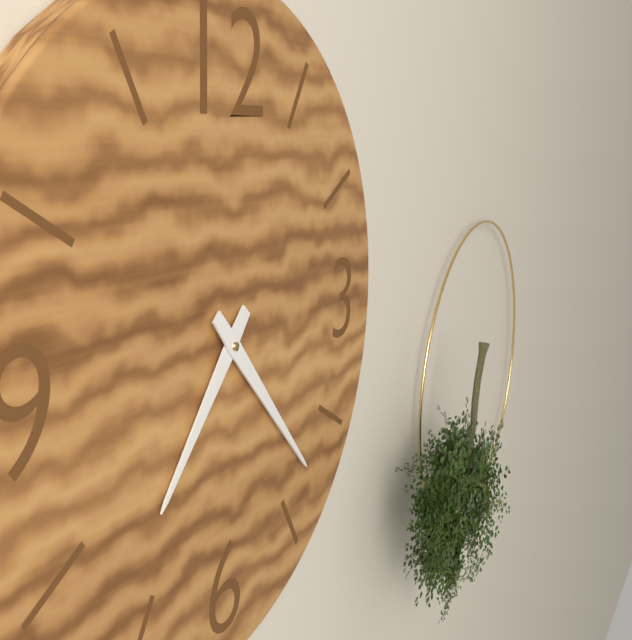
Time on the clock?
7:23
